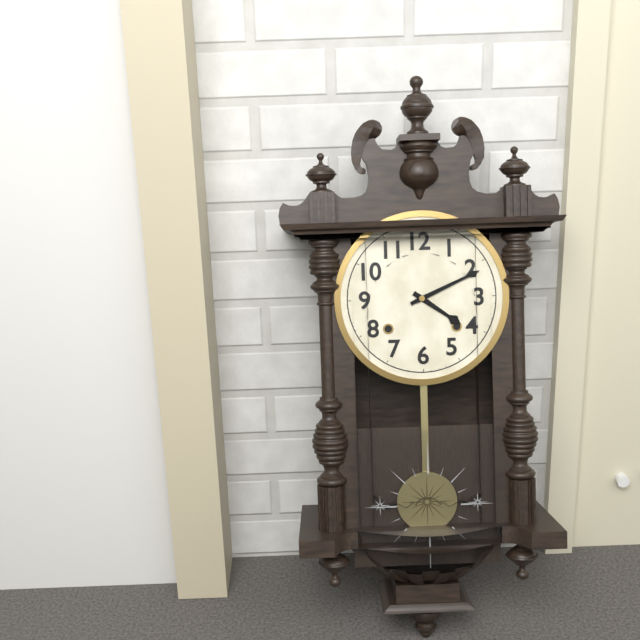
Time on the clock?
4:11
